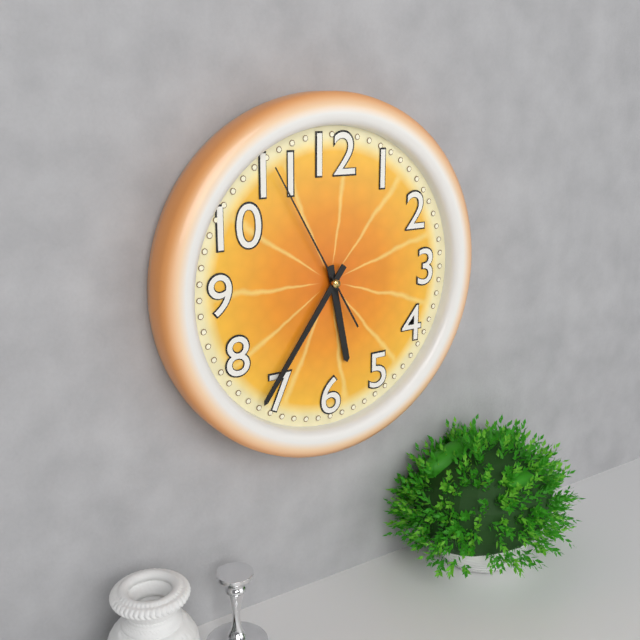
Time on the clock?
5:36:55
